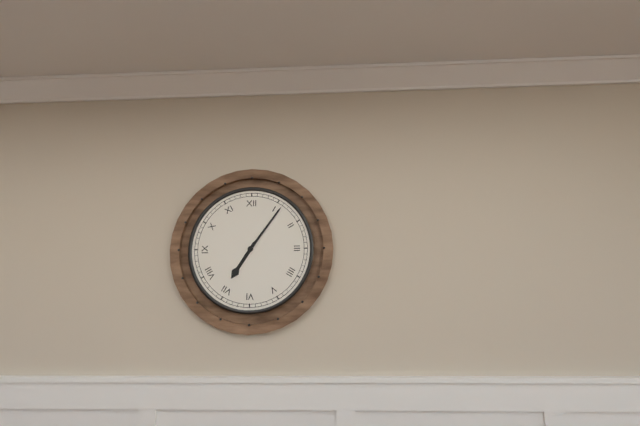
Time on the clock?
7:06
